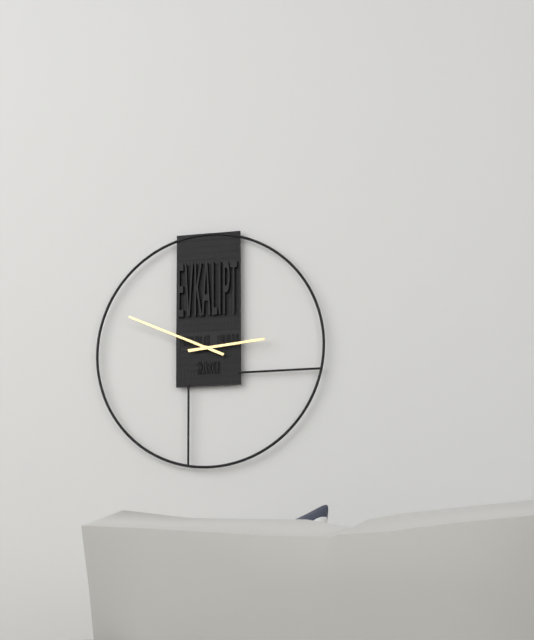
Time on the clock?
2:49
